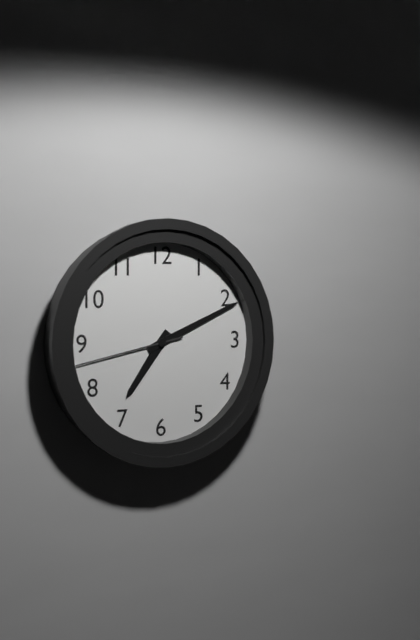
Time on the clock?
7:11:43
